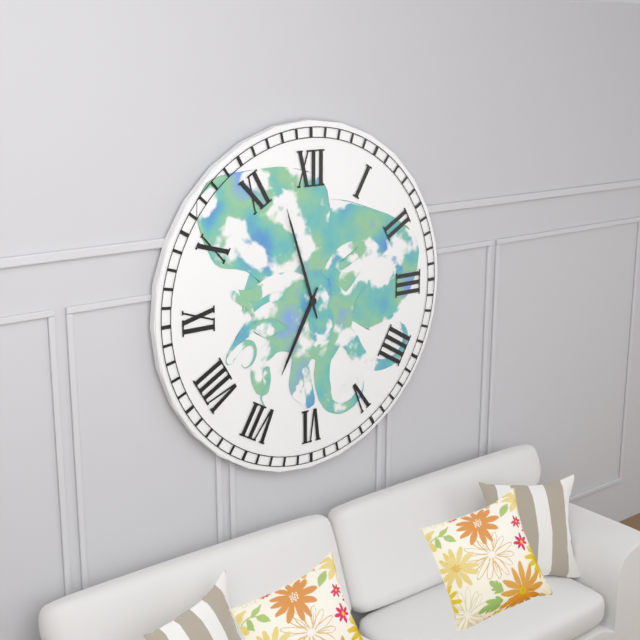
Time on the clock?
6:57
